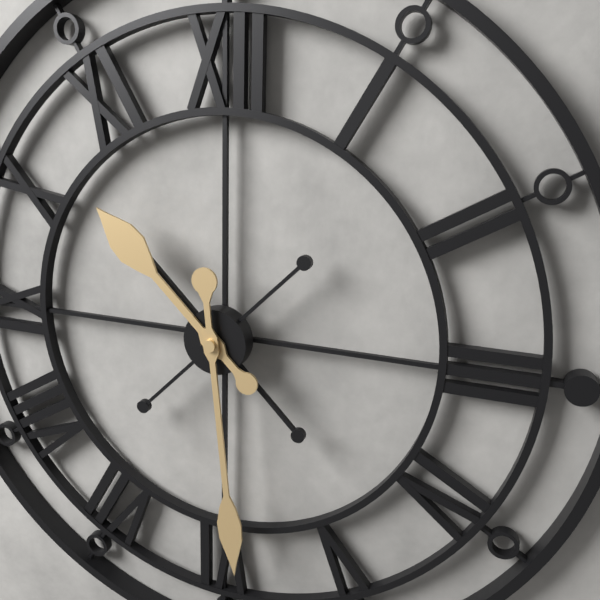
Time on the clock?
10:29
